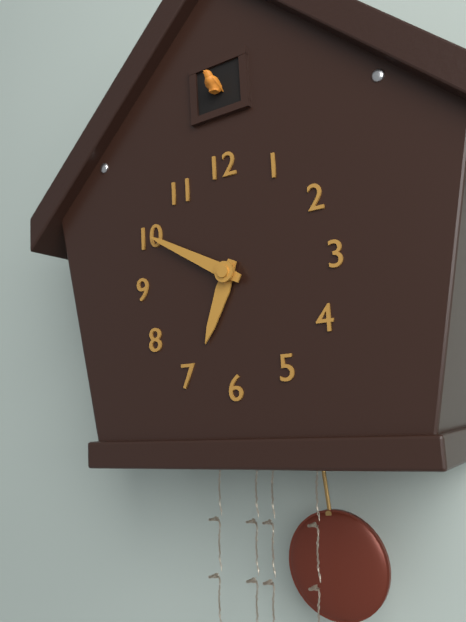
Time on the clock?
6:50
